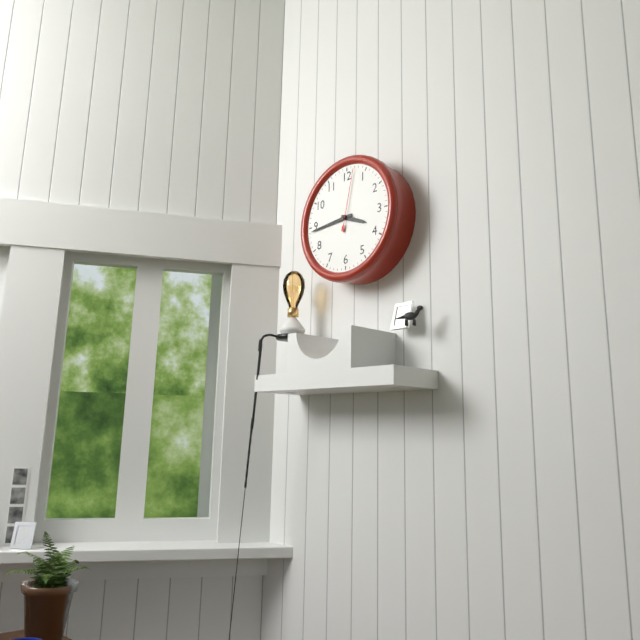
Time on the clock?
3:44:02
